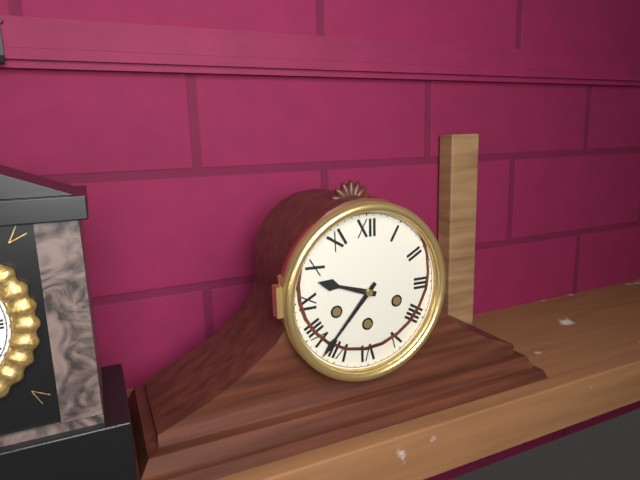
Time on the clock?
9:37
